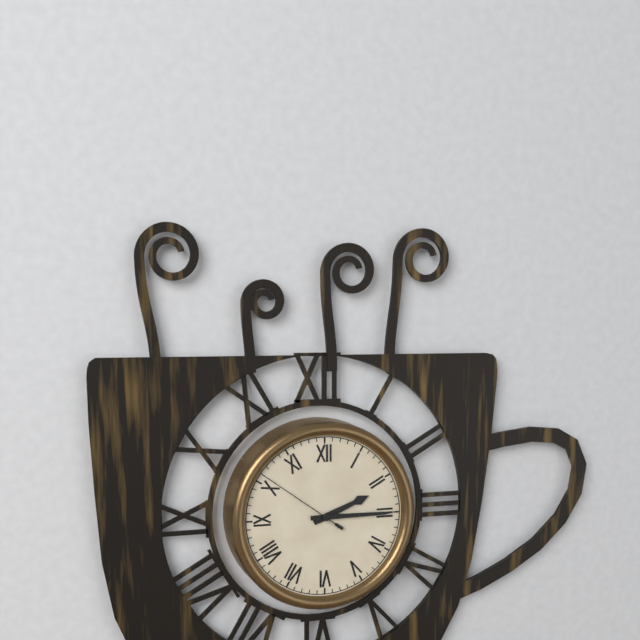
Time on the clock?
2:15:51
